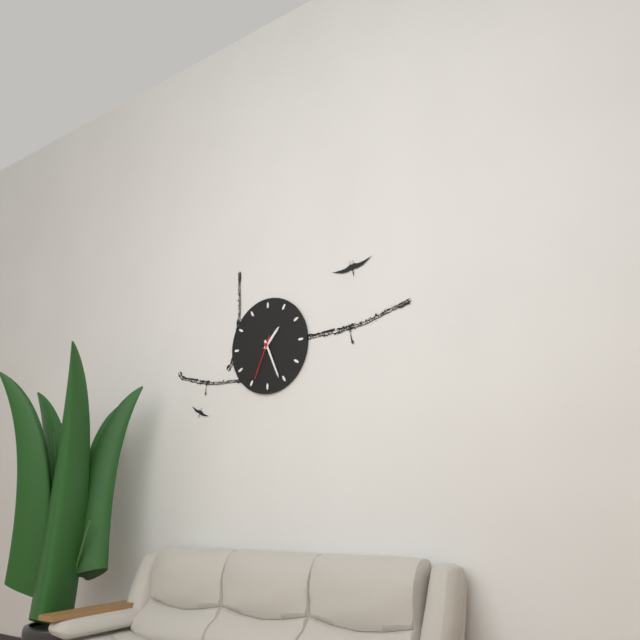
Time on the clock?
1:26
